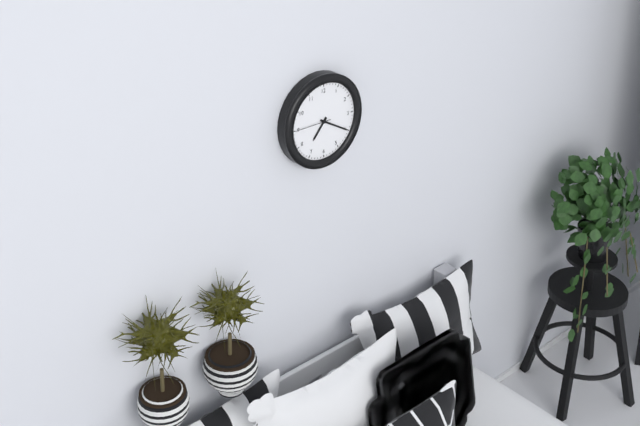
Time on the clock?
7:20
